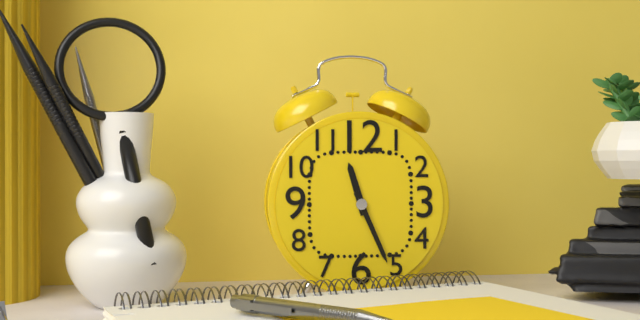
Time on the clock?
11:26
